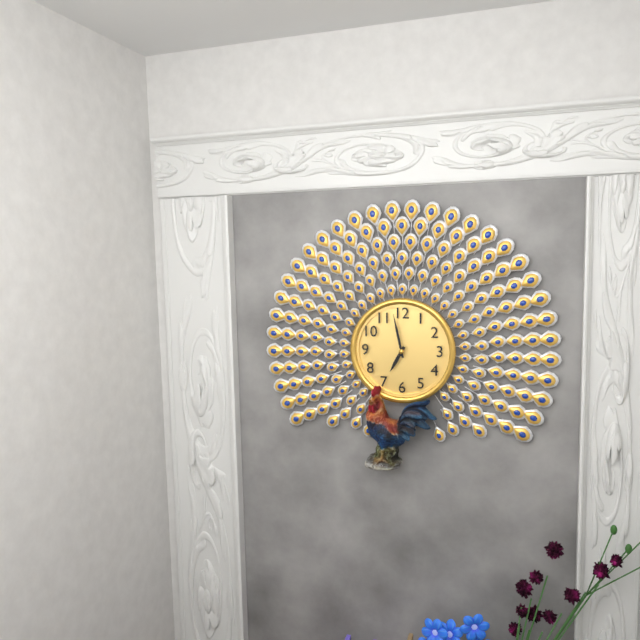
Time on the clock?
6:58
